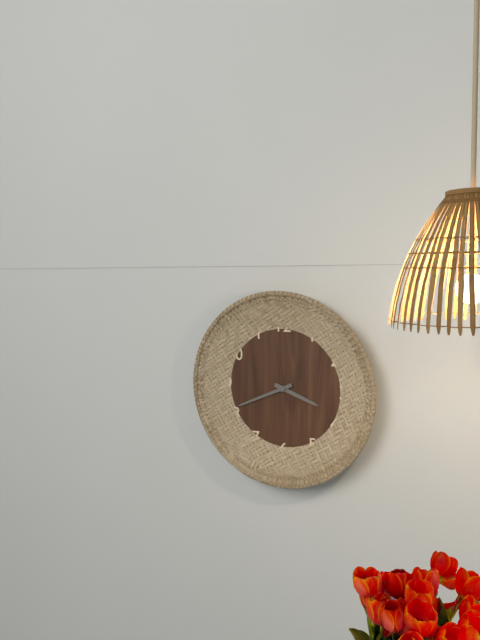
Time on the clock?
3:41
